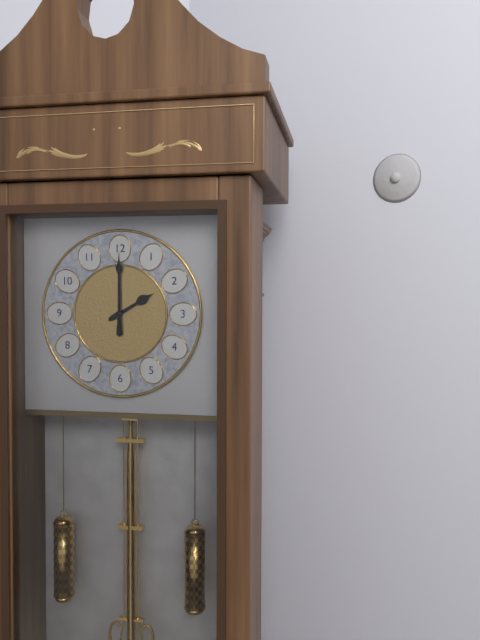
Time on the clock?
2:00
